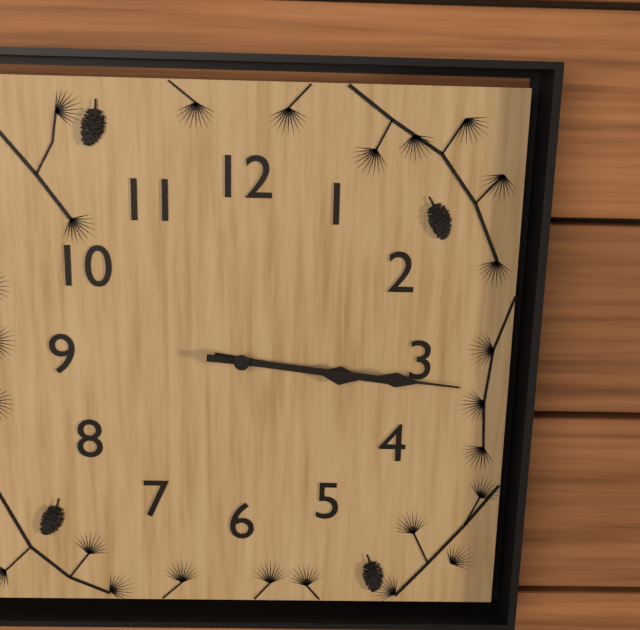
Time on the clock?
3:16
